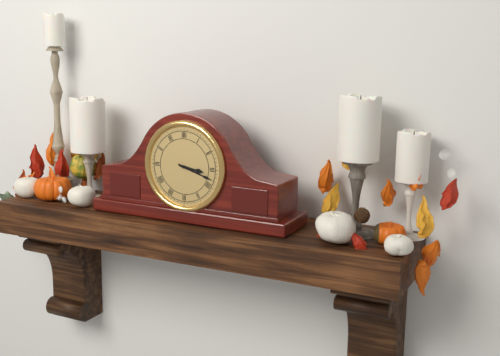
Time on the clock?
3:18
